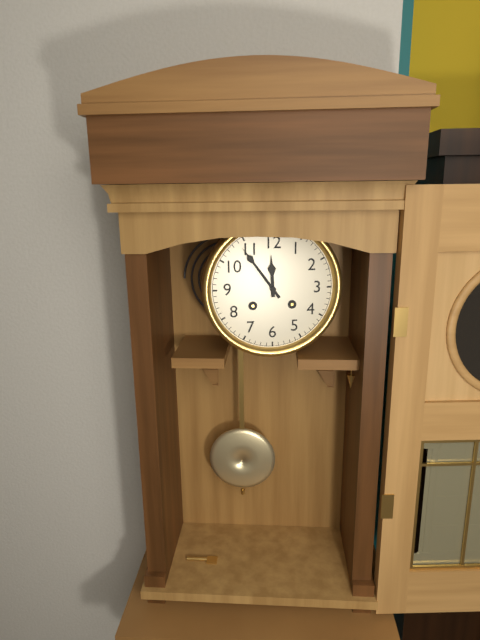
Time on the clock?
11:54
